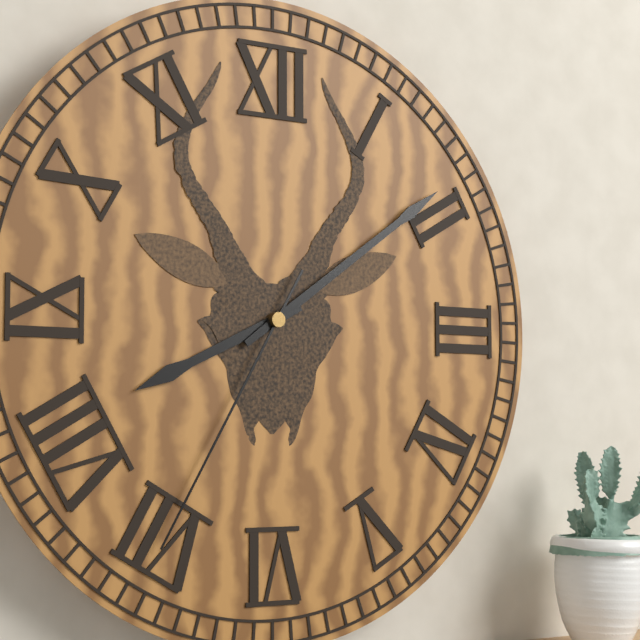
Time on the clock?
8:09:35
